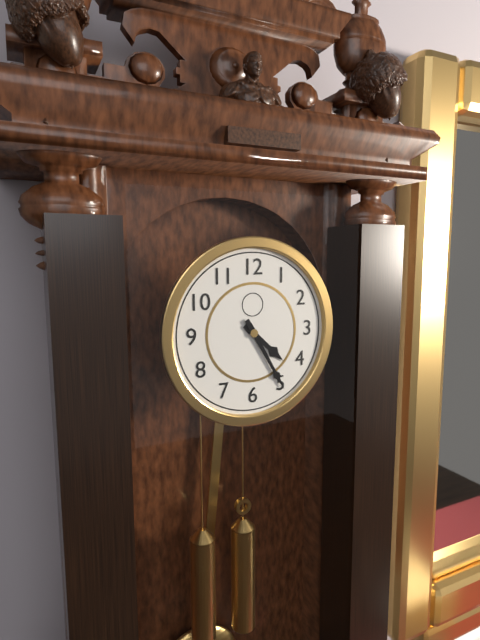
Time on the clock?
4:25
